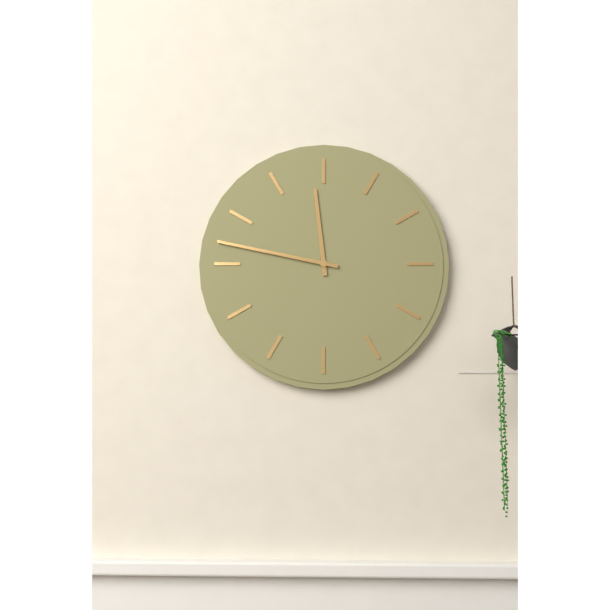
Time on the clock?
11:47
